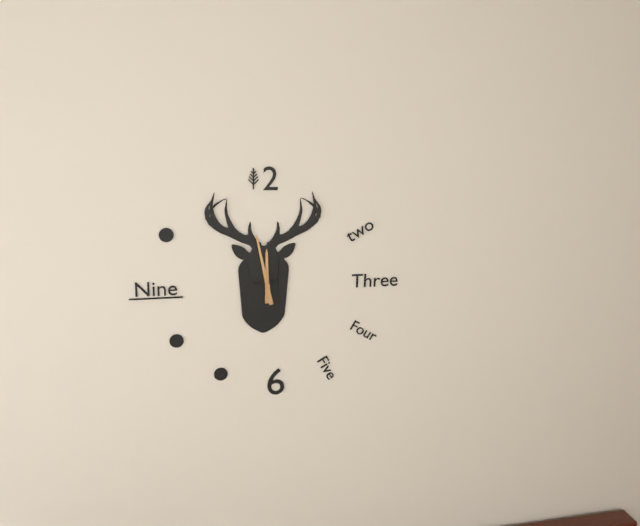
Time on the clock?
11:58
